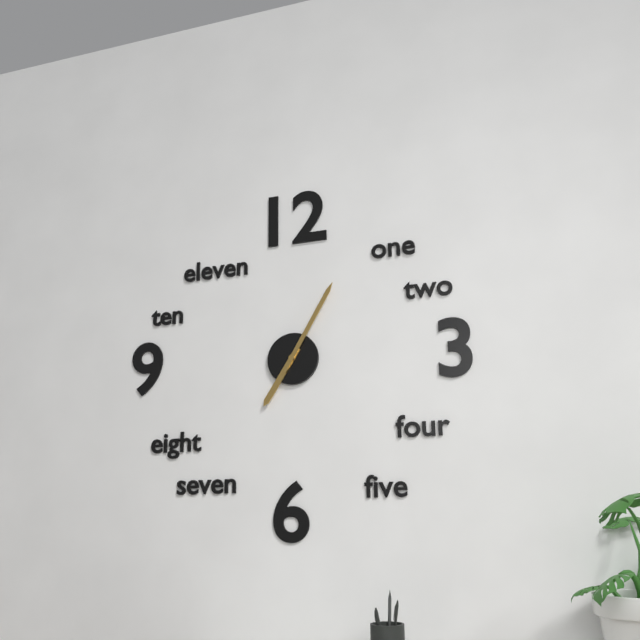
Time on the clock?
7:05
